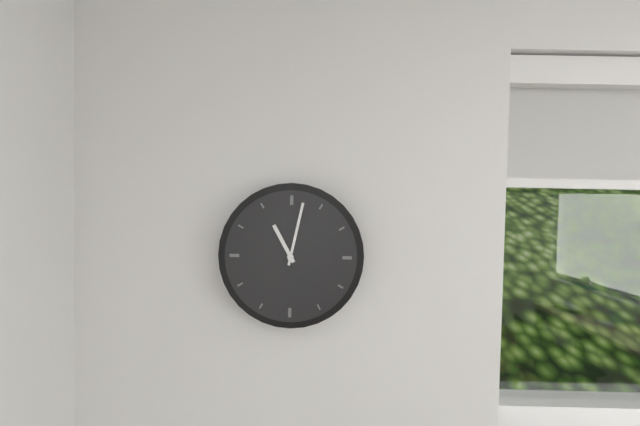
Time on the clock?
11:02
